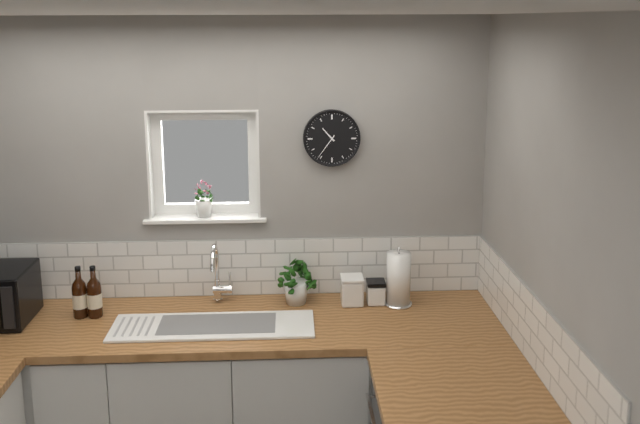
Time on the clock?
10:36
